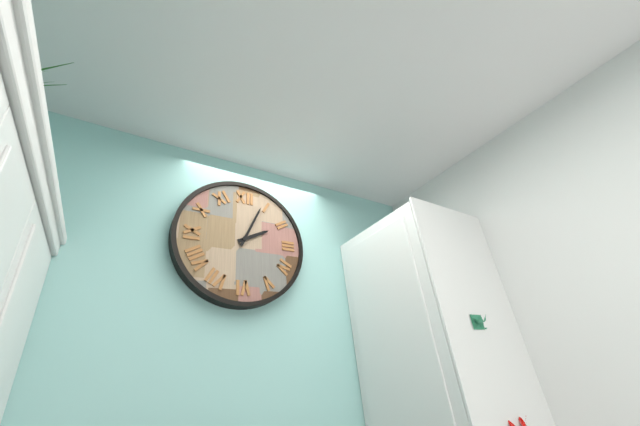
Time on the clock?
2:04
